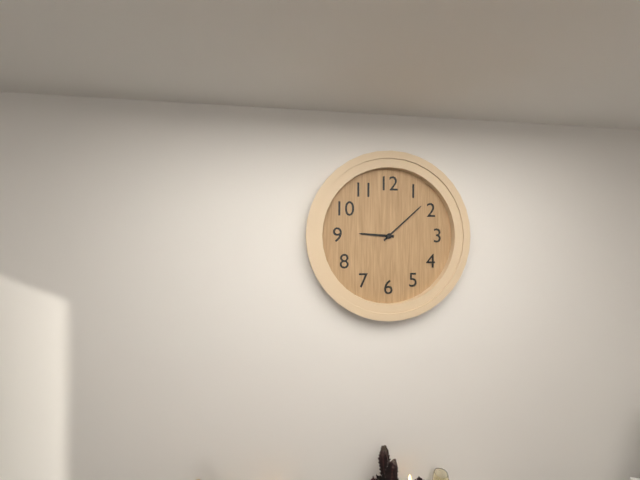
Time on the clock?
9:08
